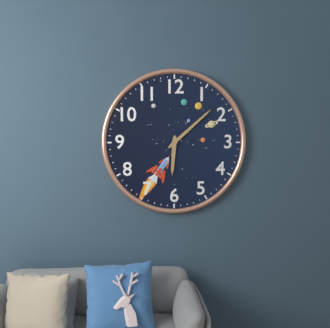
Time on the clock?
6:08
